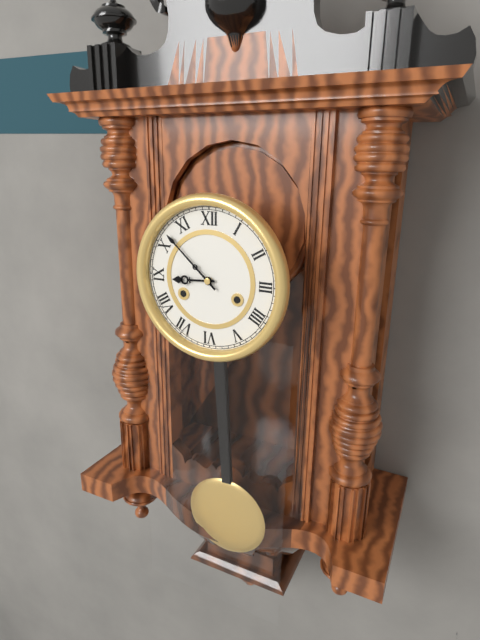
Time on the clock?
8:52
